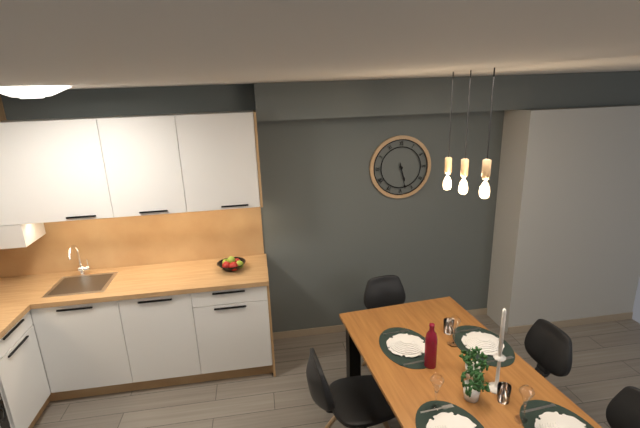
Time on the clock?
5:28
